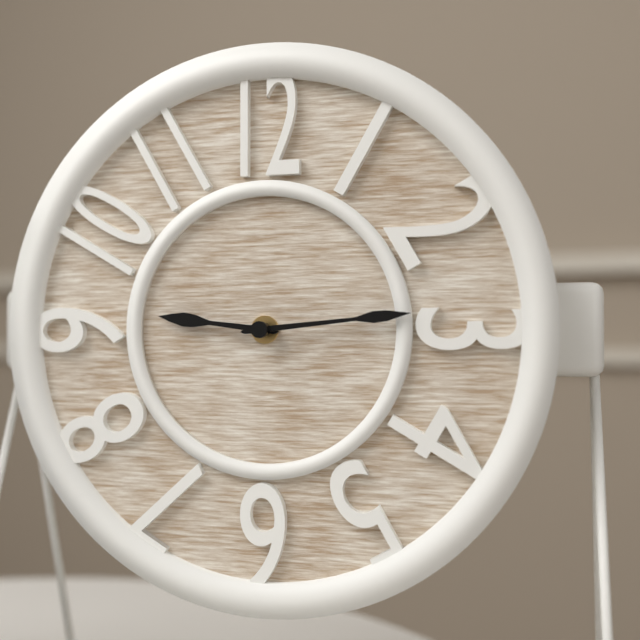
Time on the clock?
9:14
